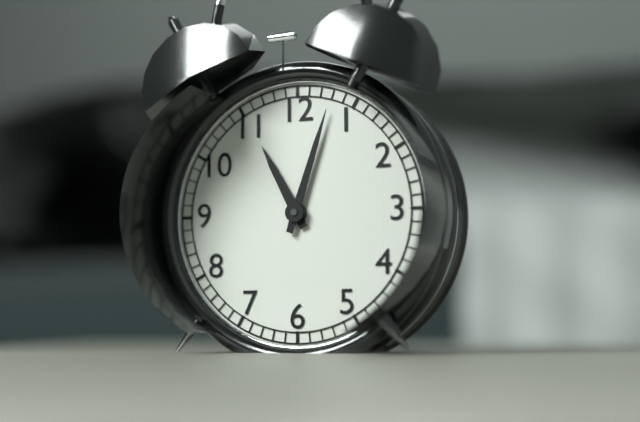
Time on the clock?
11:03
